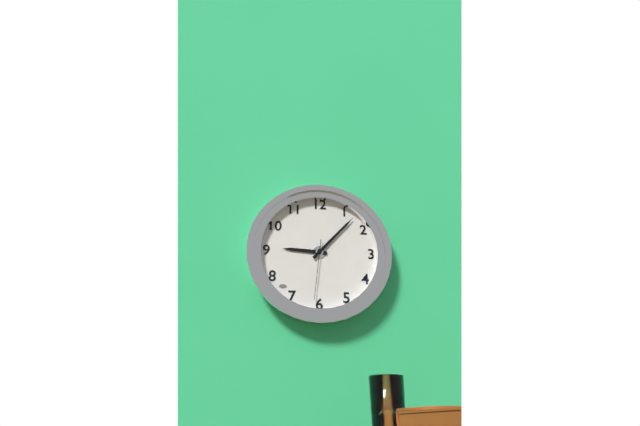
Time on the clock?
9:07:31
